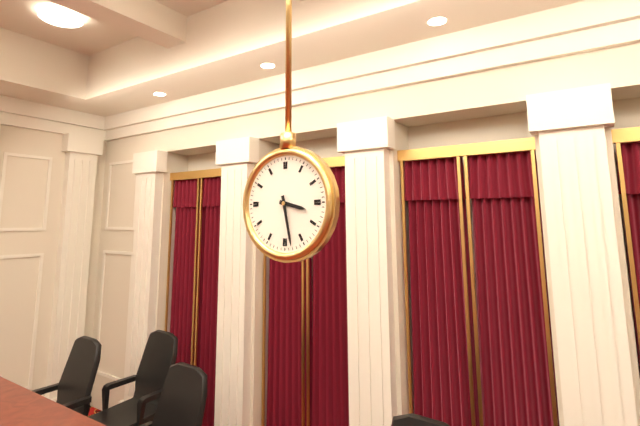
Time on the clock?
3:28
